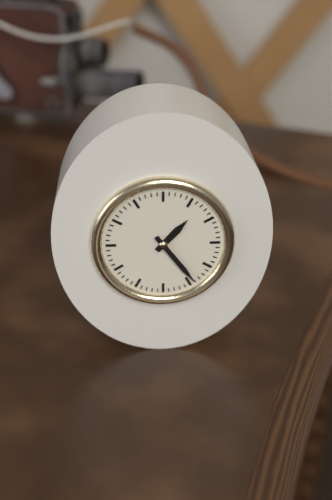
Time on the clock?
1:24
